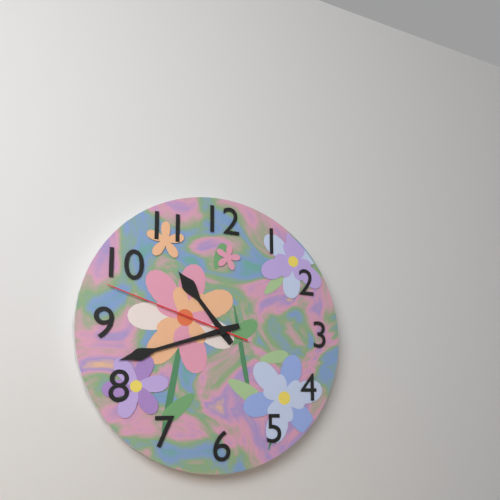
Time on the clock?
10:42:48
